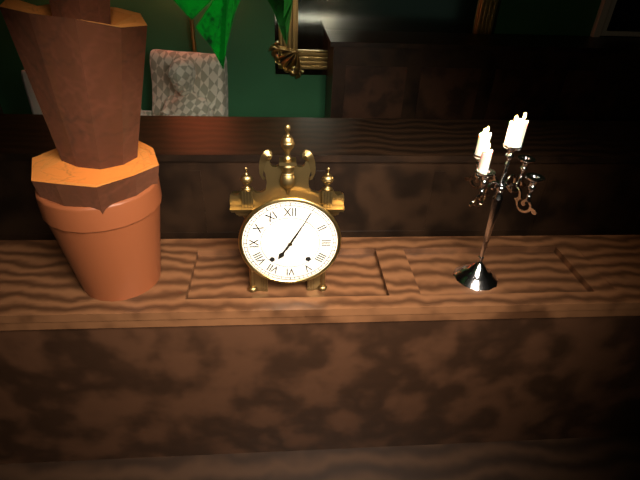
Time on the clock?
7:05
